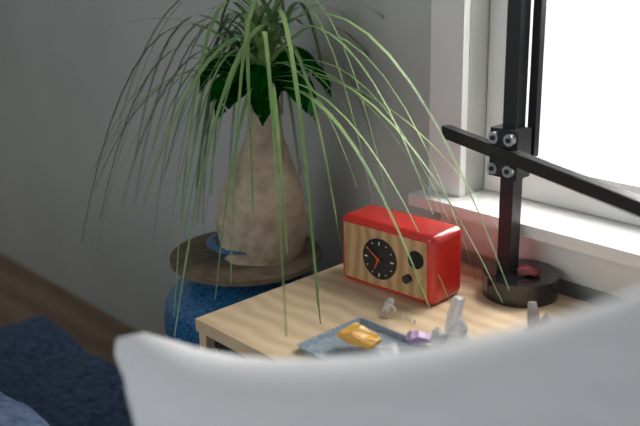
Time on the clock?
6:51
